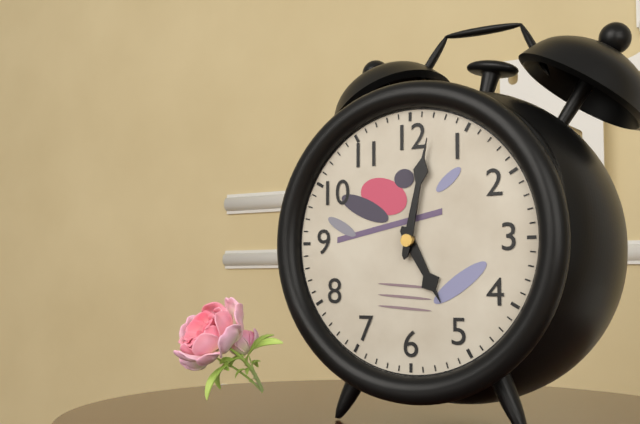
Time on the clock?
5:02
